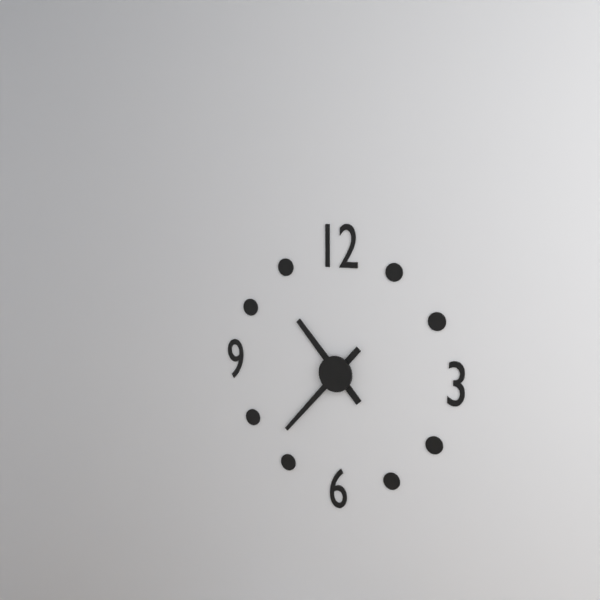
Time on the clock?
10:37
